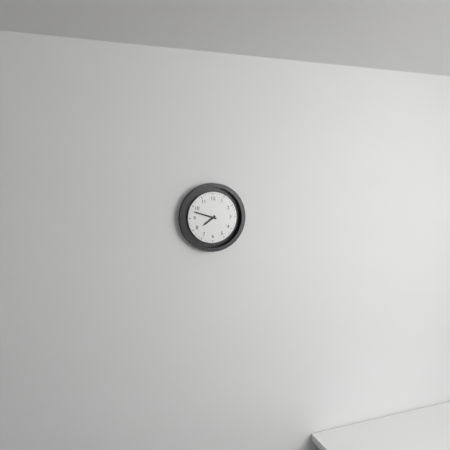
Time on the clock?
7:48
